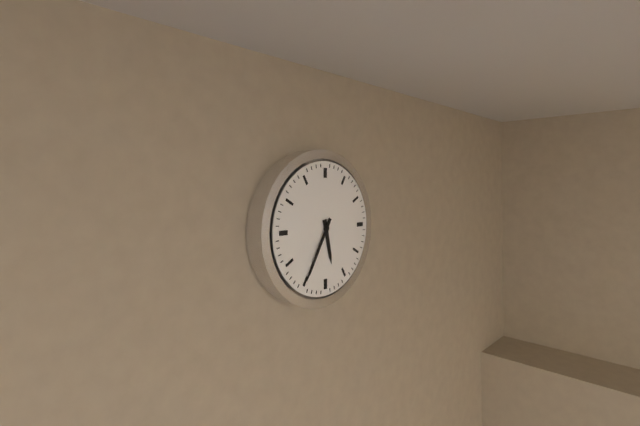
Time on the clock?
5:35
